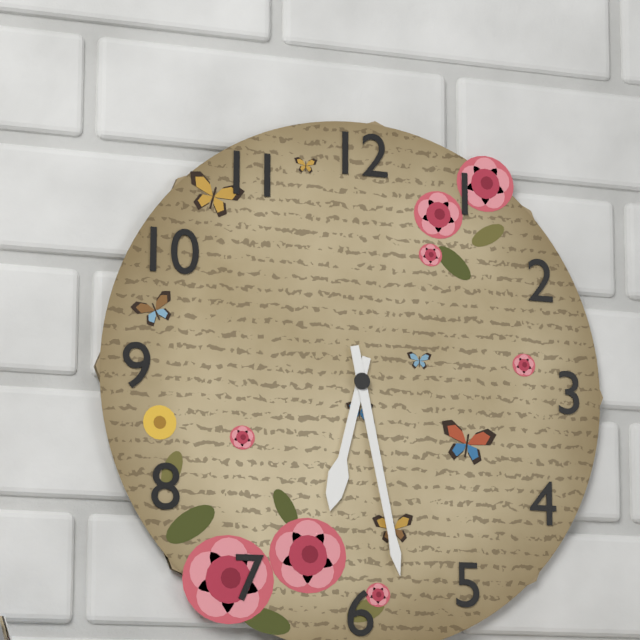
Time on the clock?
6:28
